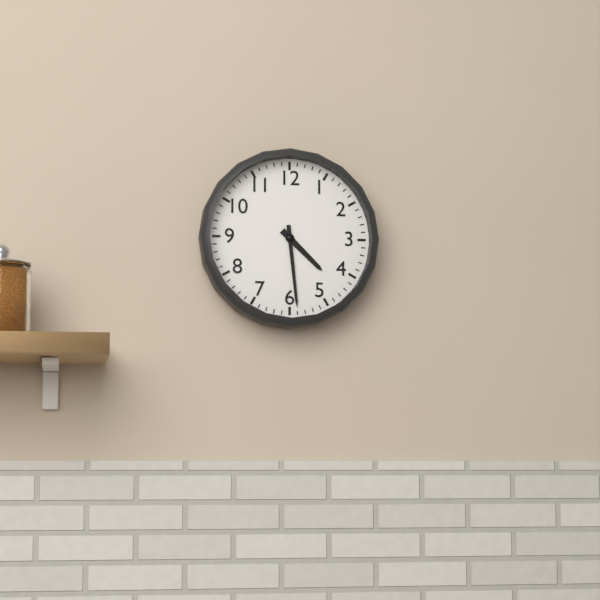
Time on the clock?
4:29
